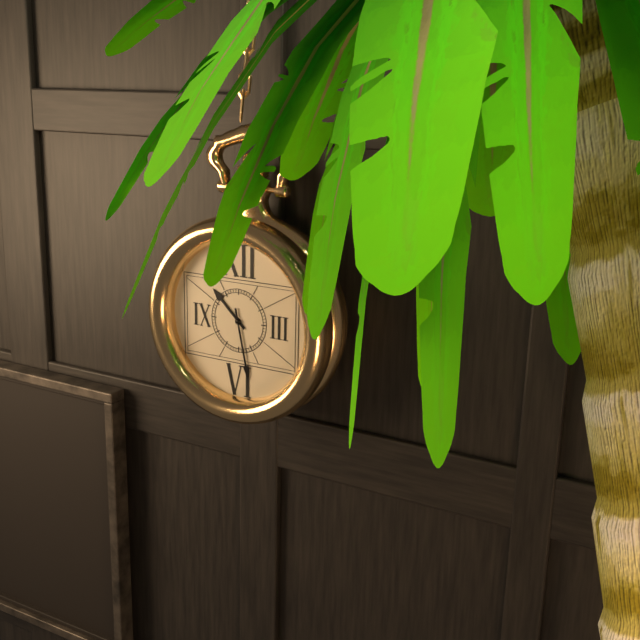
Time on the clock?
10:28
